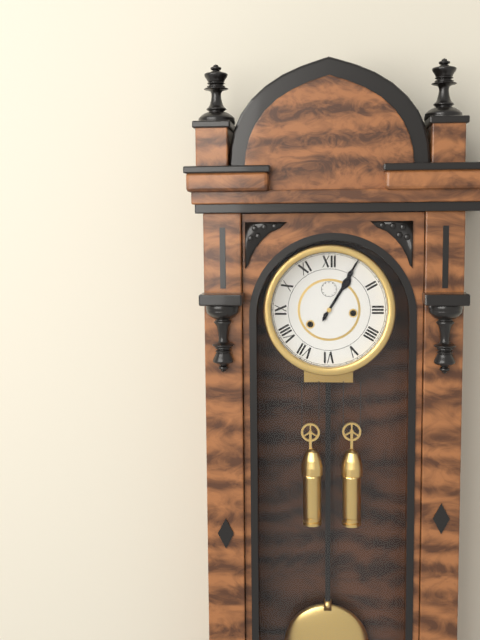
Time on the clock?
1:05
